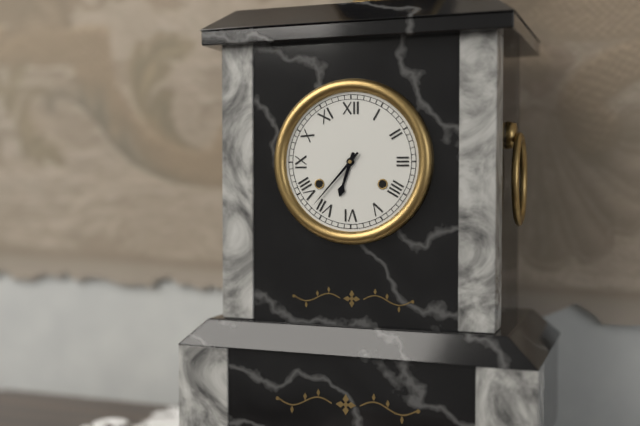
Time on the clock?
6:37
